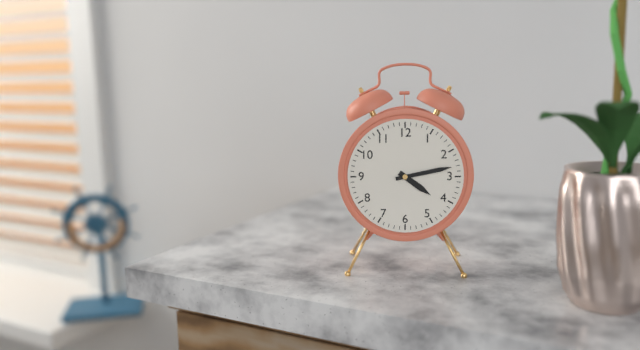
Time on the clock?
4:13
